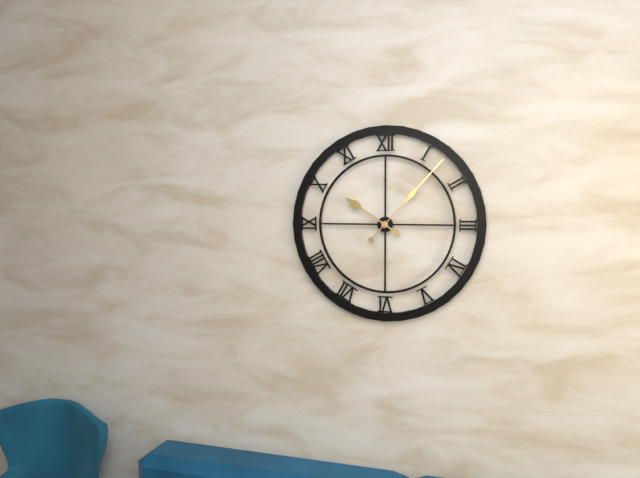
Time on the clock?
10:07
